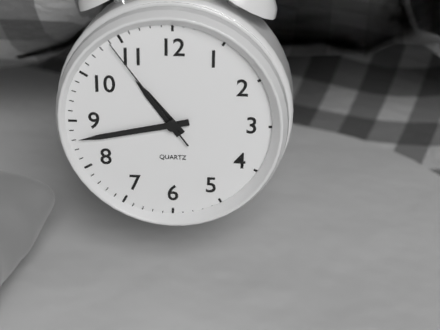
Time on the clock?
10:43:54
